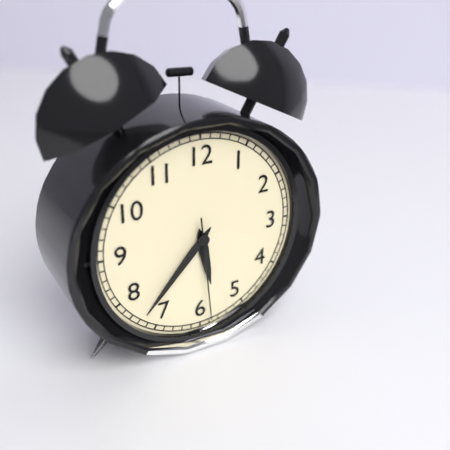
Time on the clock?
5:37:29
